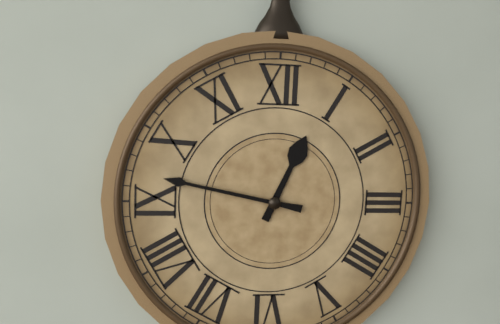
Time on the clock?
12:47
